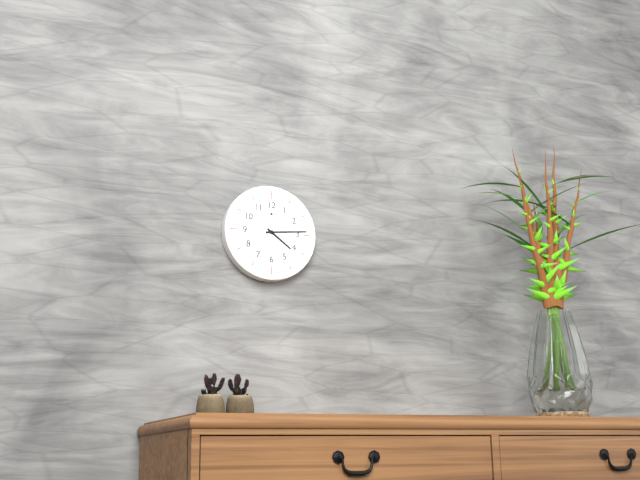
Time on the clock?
4:14
